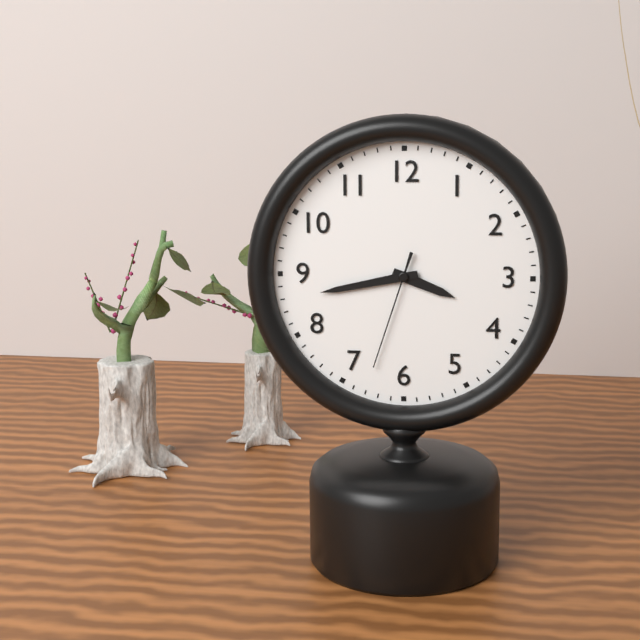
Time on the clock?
3:43:33
